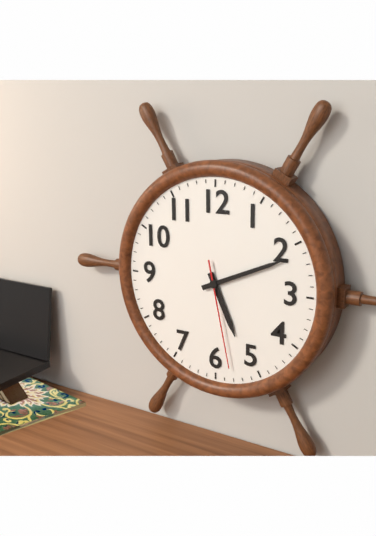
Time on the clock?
5:11:28
